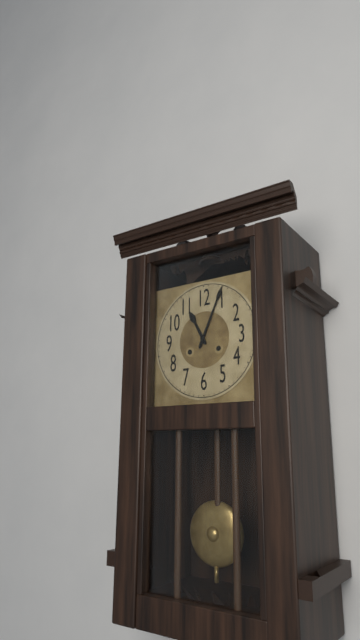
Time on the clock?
11:04
